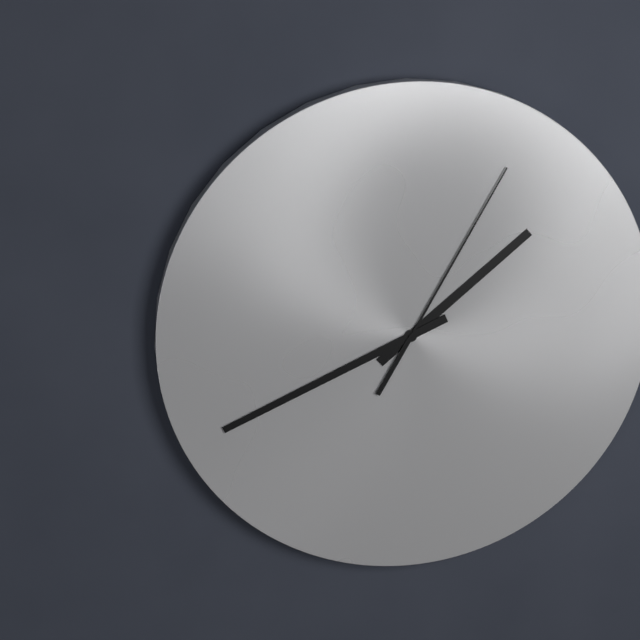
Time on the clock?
1:41:05
